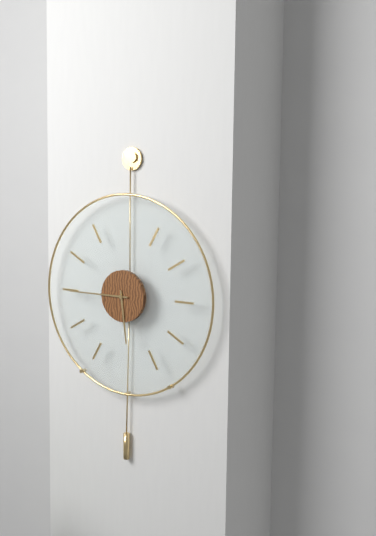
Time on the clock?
5:45
